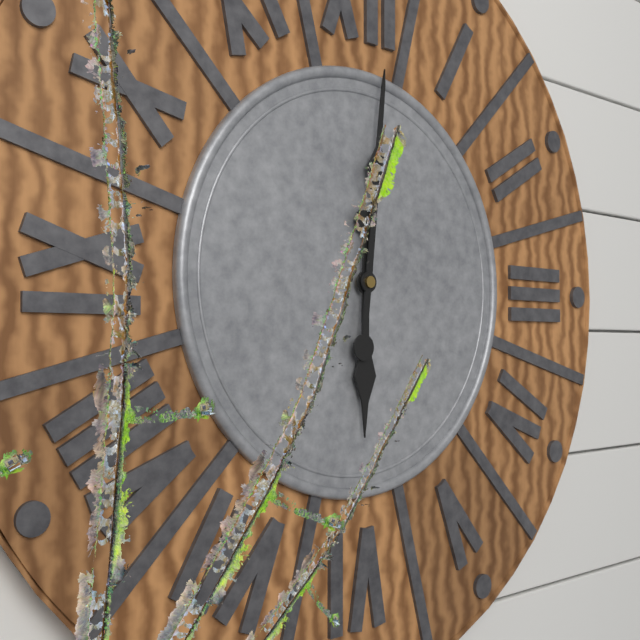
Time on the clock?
6:01
